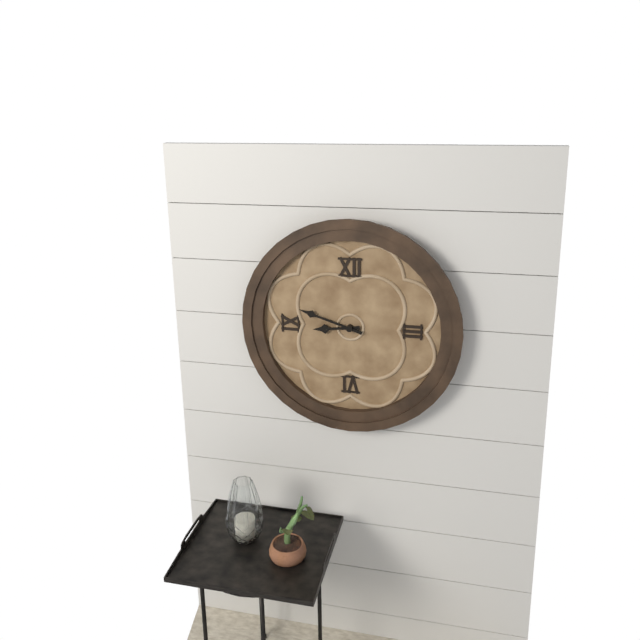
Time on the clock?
8:48
